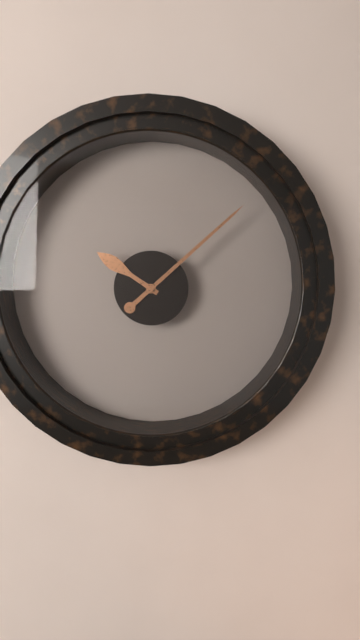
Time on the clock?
10:08
